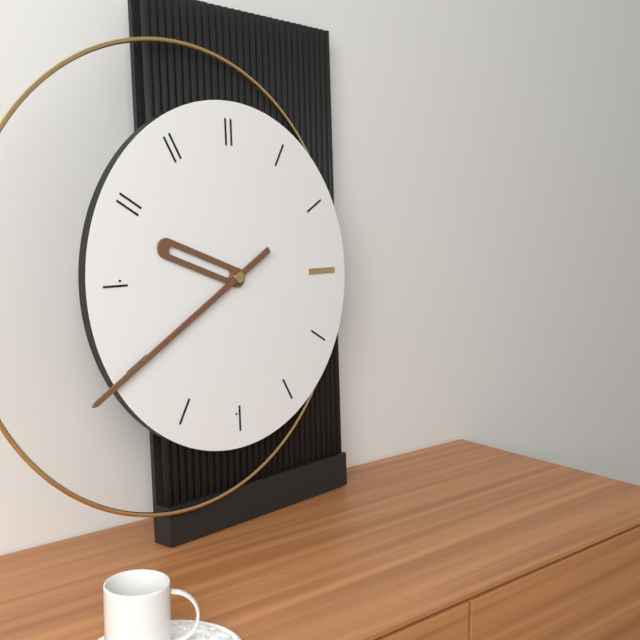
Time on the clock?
9:40
